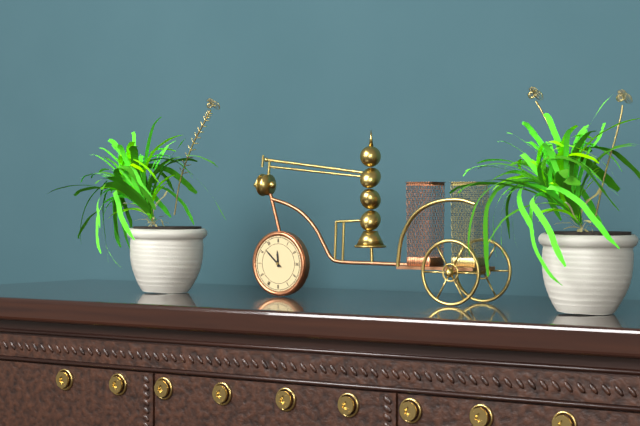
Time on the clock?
11:52
